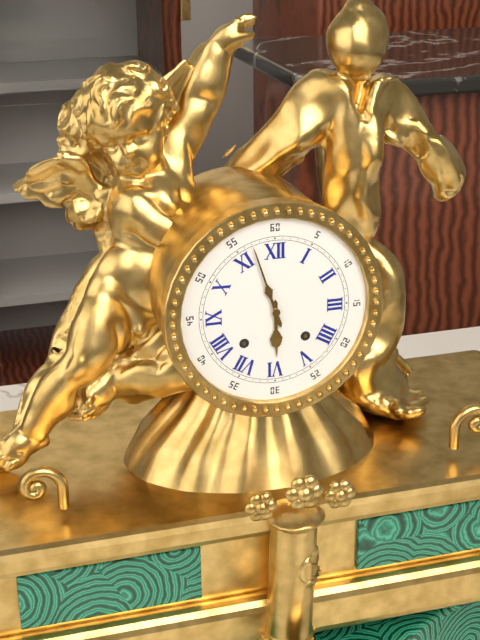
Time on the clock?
5:57
